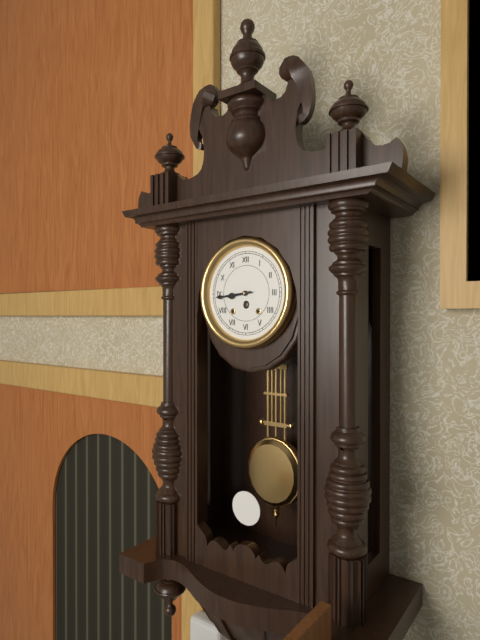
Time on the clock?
8:44
